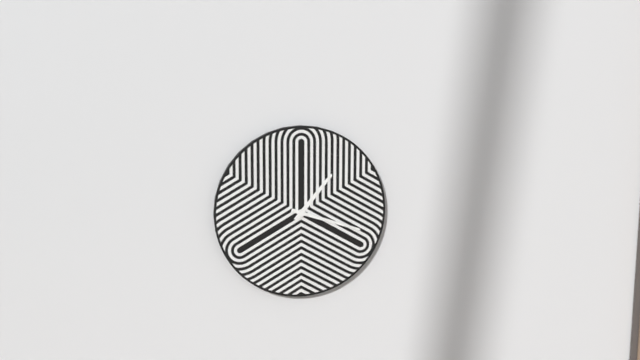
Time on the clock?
1:18
